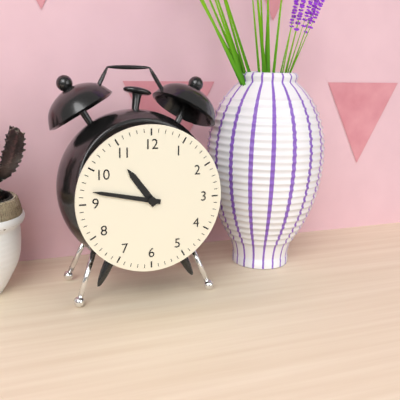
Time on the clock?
10:47
